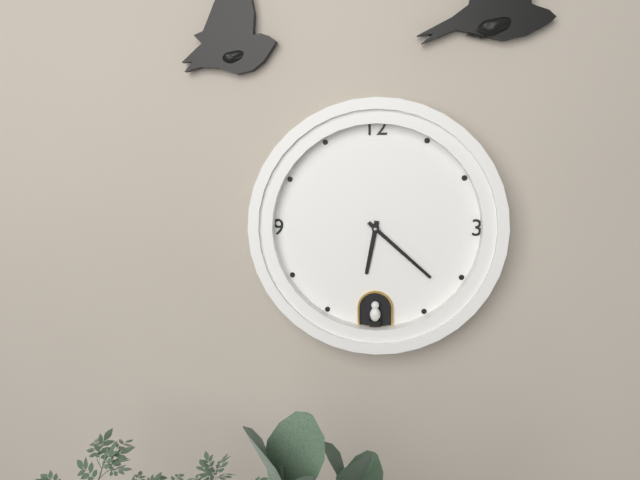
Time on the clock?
6:22
